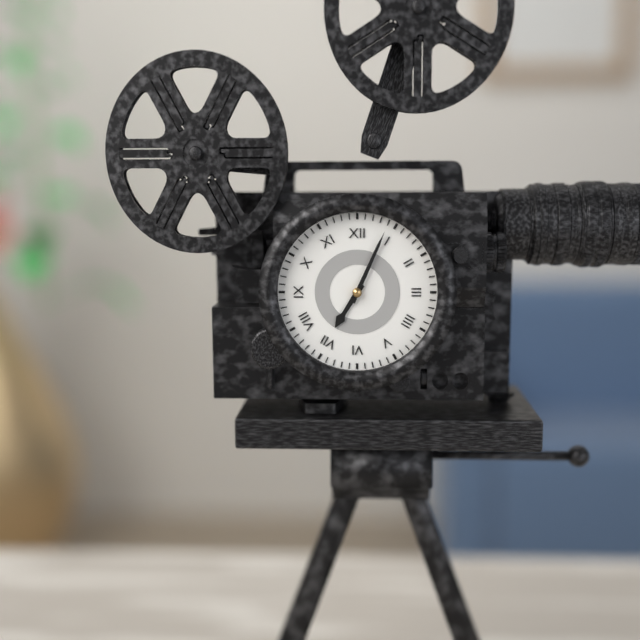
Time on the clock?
7:04
